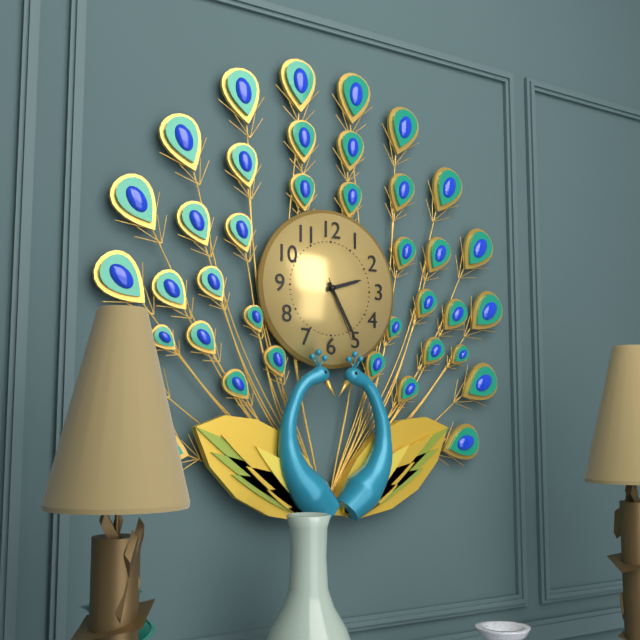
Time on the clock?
2:25:26
